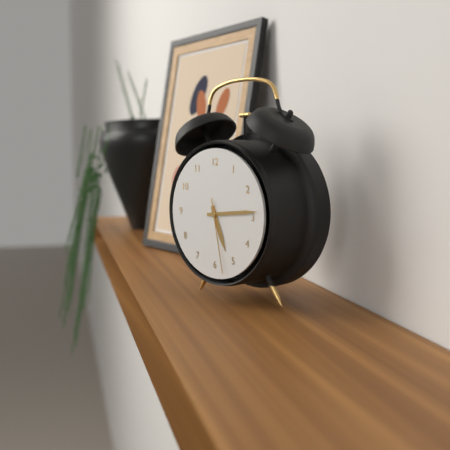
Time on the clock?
5:14:28
